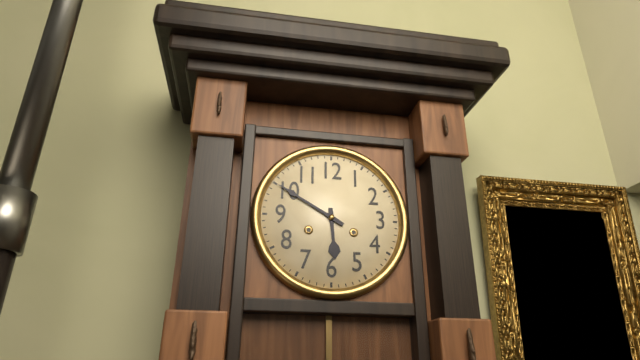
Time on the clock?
5:50
